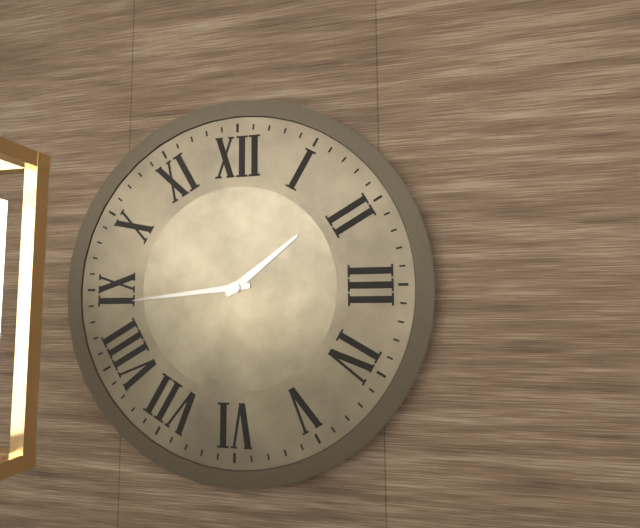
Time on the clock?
1:44
